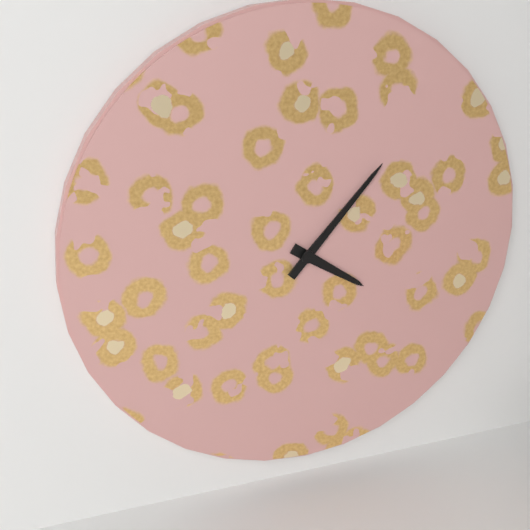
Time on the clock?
4:07
